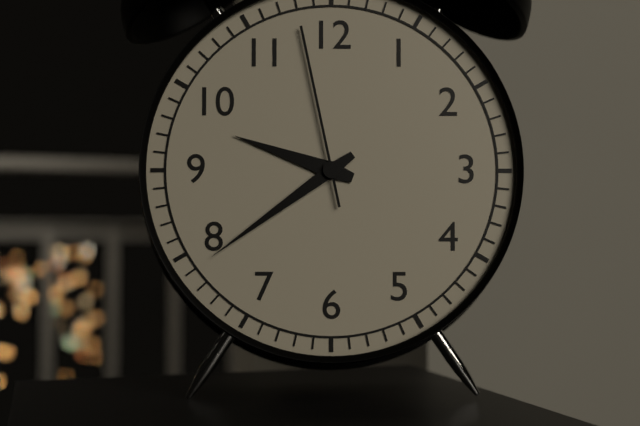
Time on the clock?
9:39:58
